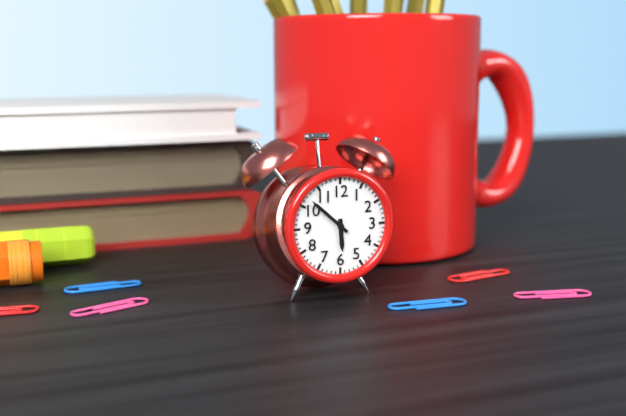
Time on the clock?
5:52
